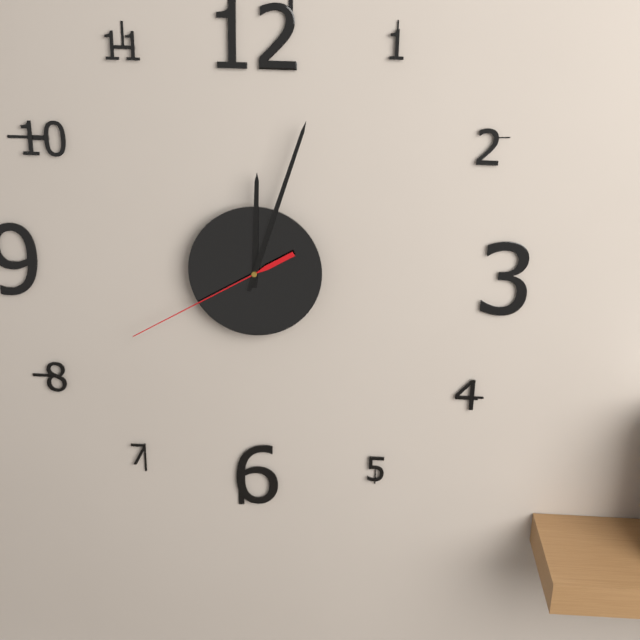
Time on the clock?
12:03:40
